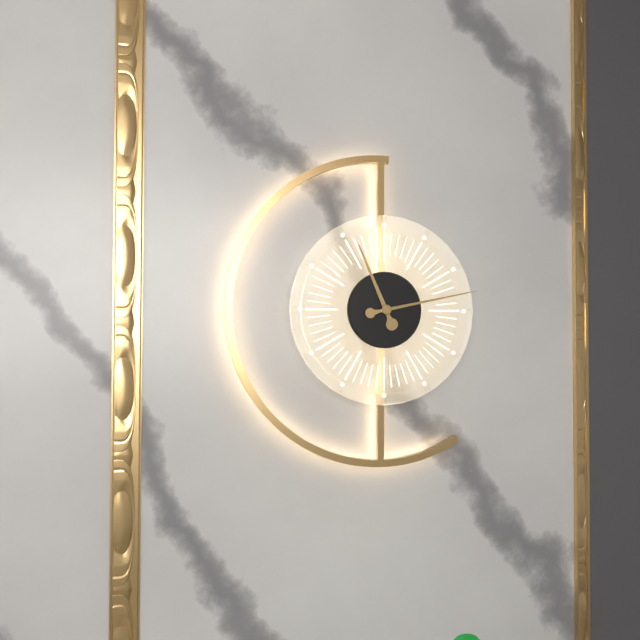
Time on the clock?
11:13
